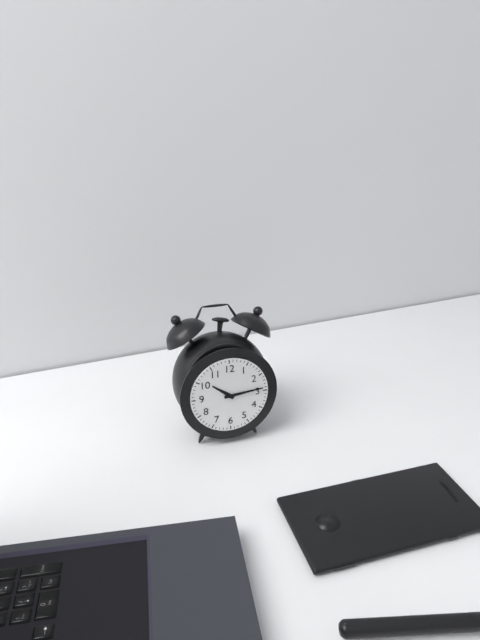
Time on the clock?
10:14
